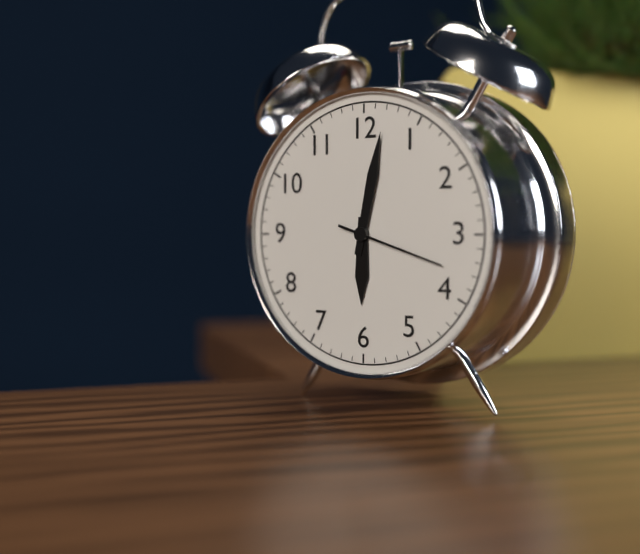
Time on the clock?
6:02:18
